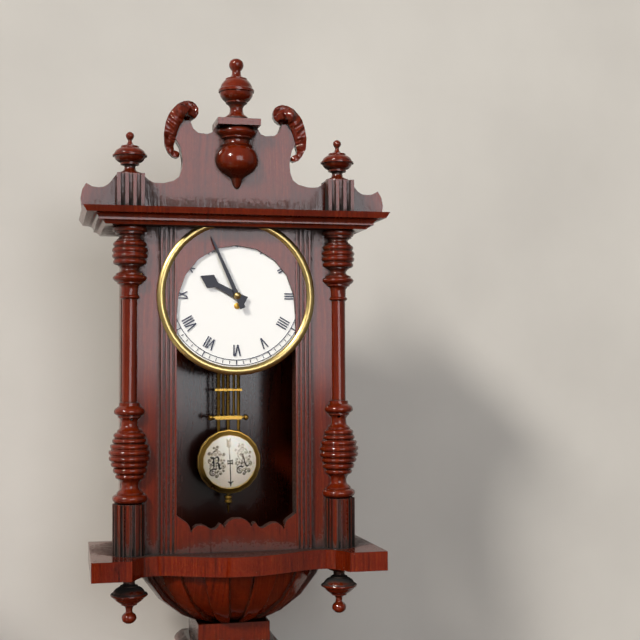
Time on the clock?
9:56
